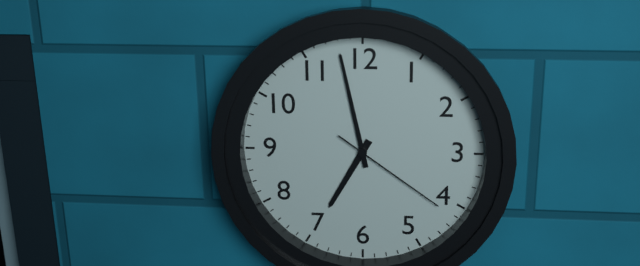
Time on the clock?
6:58:21
